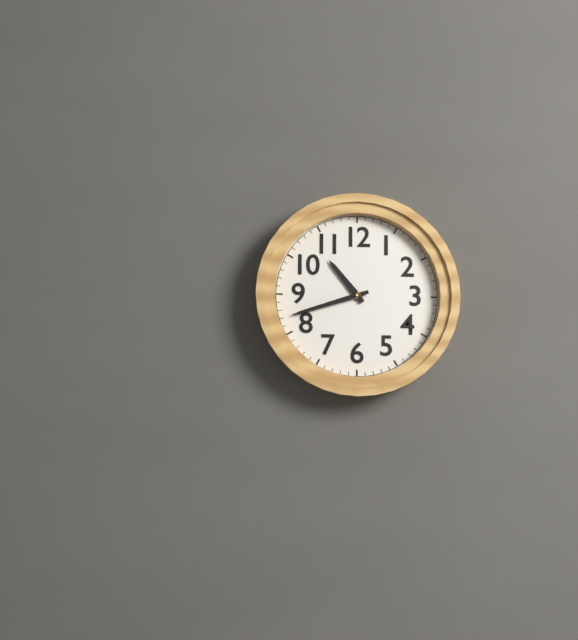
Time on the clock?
10:42
